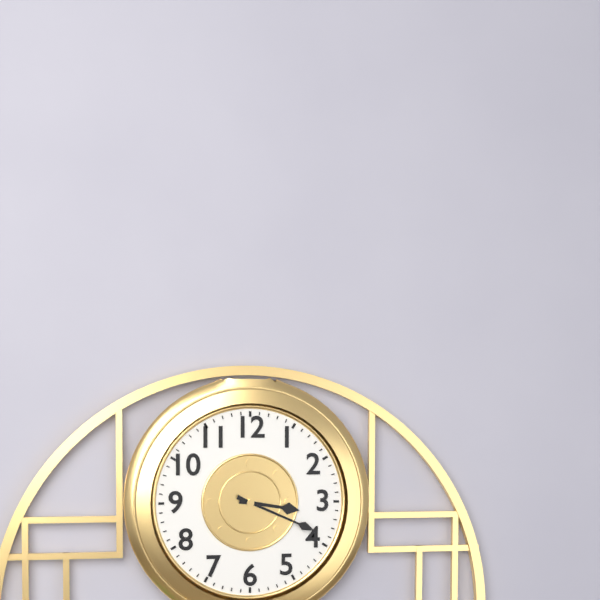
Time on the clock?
3:19
